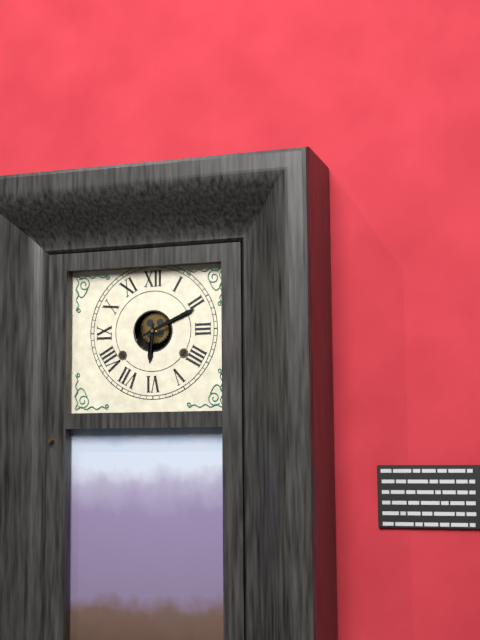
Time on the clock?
6:11
